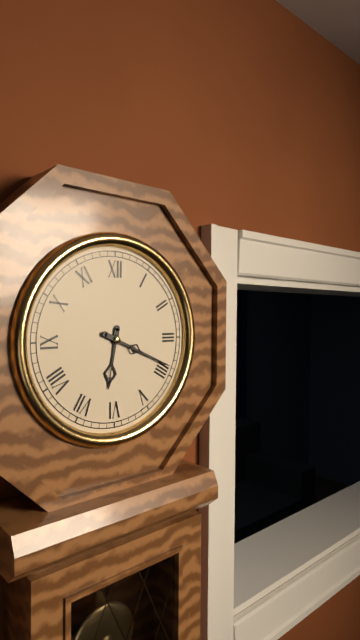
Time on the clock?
6:19
